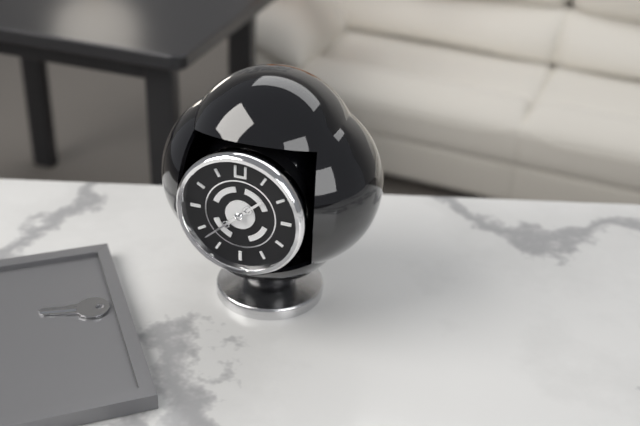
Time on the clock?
1:38
